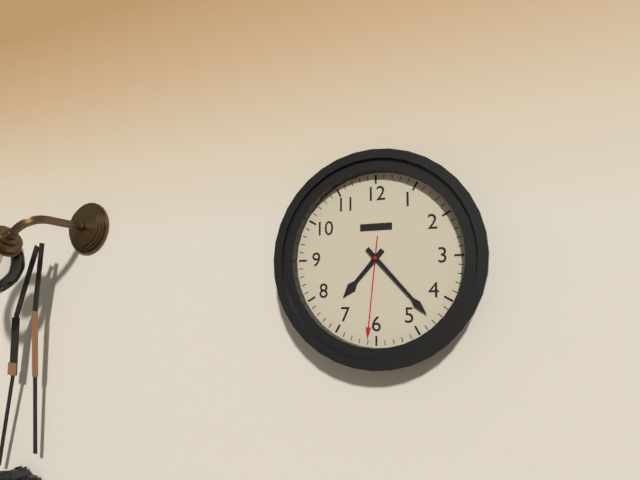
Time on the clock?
7:23:31
